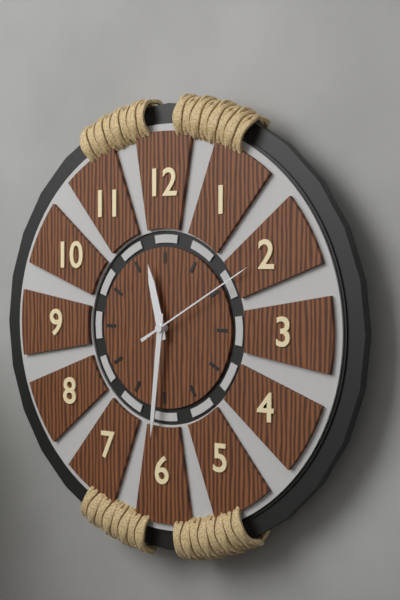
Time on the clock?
11:31:10
